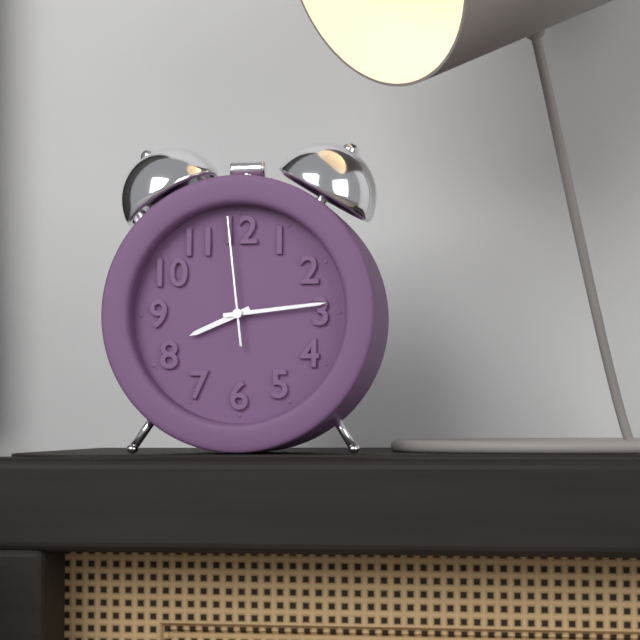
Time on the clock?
8:14:59
